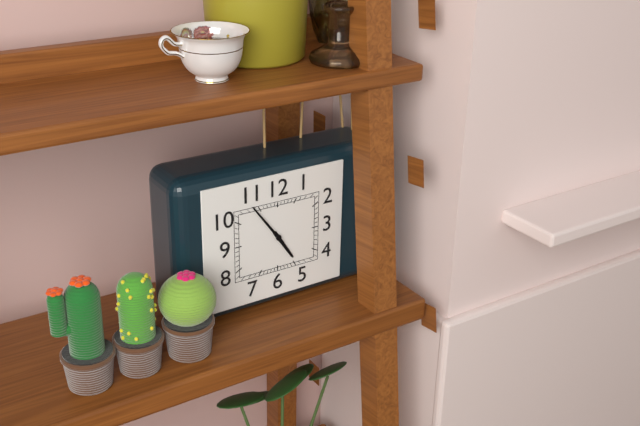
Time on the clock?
4:54
